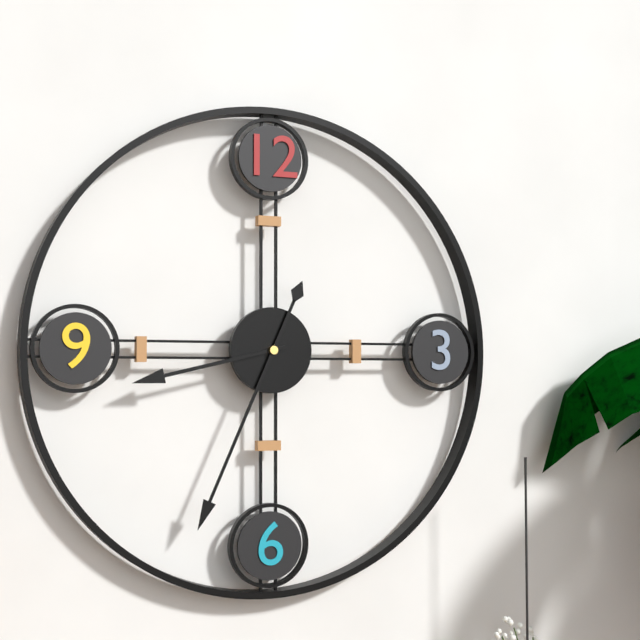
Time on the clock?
8:34
